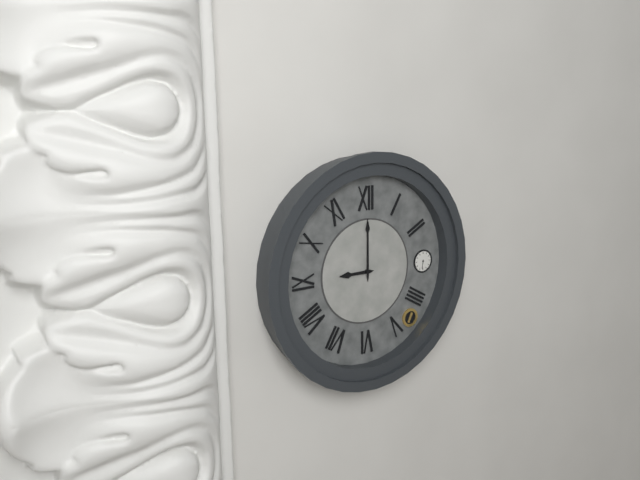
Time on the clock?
9:00
